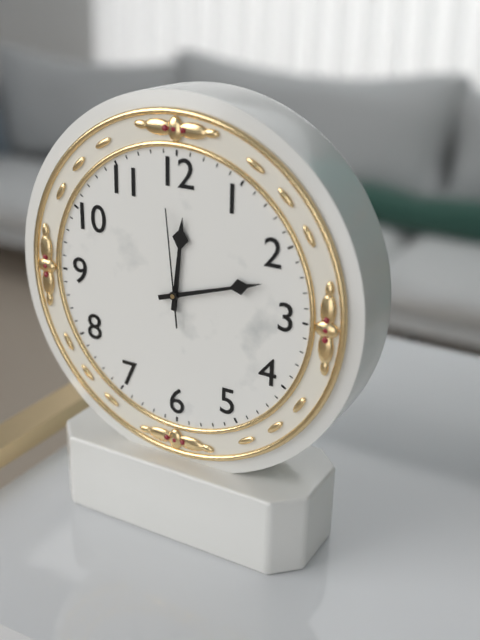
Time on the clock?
12:12:59
